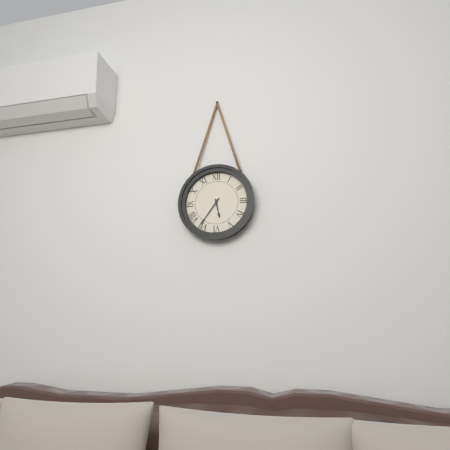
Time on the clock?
5:36
